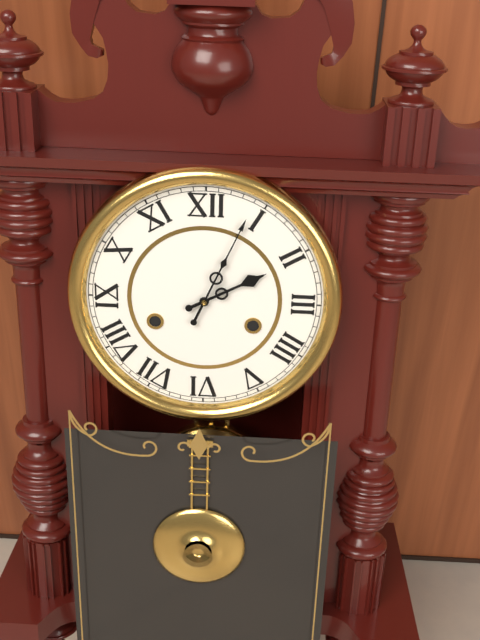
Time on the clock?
2:04
